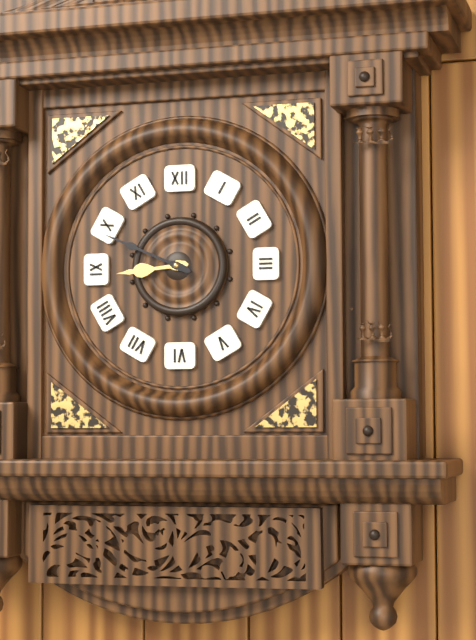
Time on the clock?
8:49
